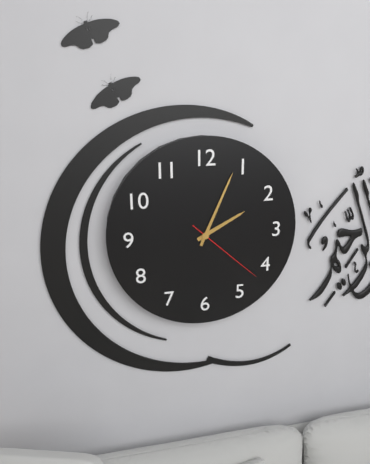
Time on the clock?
2:04:22
